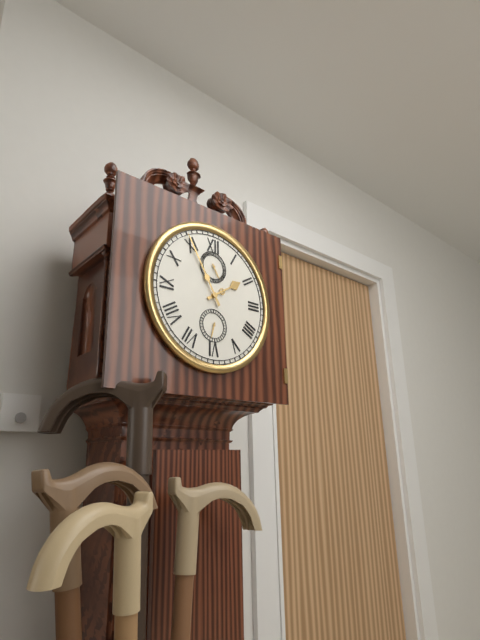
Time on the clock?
1:55
